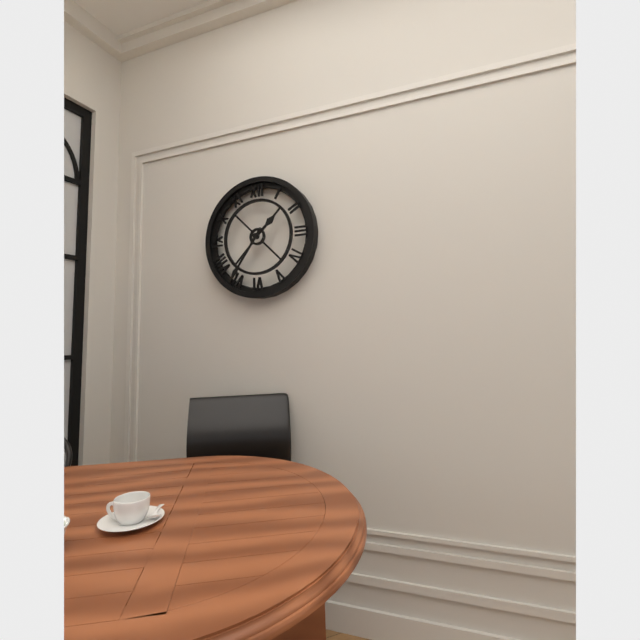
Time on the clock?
1:36
